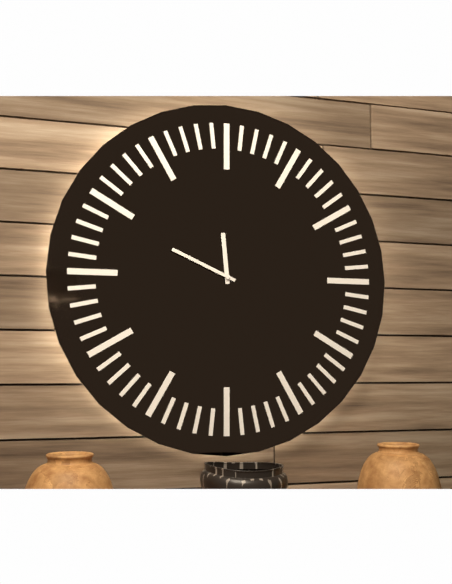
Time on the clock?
11:49
